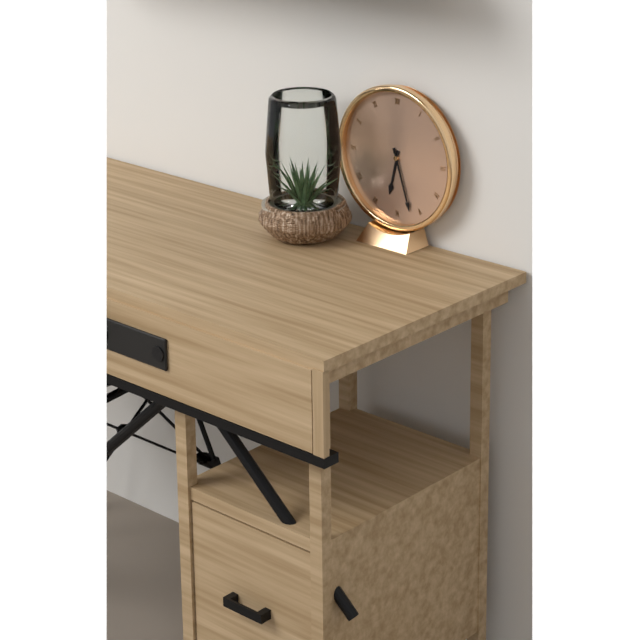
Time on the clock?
6:27
